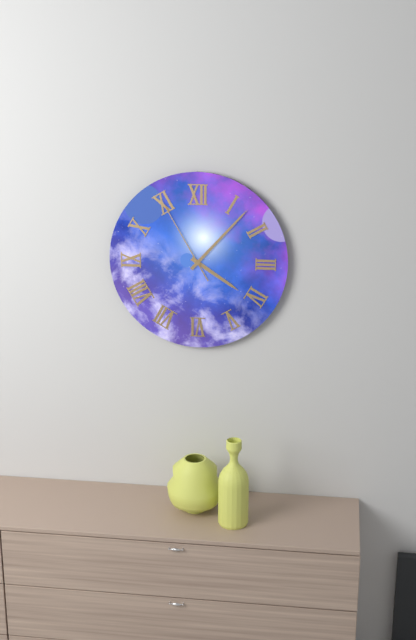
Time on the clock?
4:07:55
